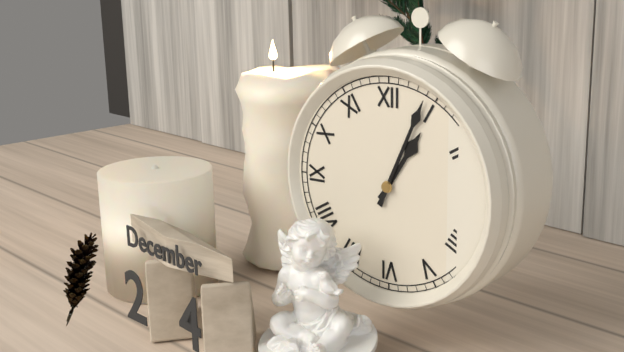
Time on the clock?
1:04
